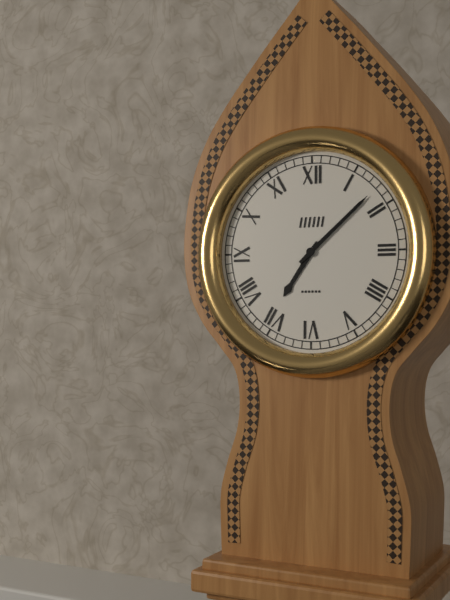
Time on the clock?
7:08
